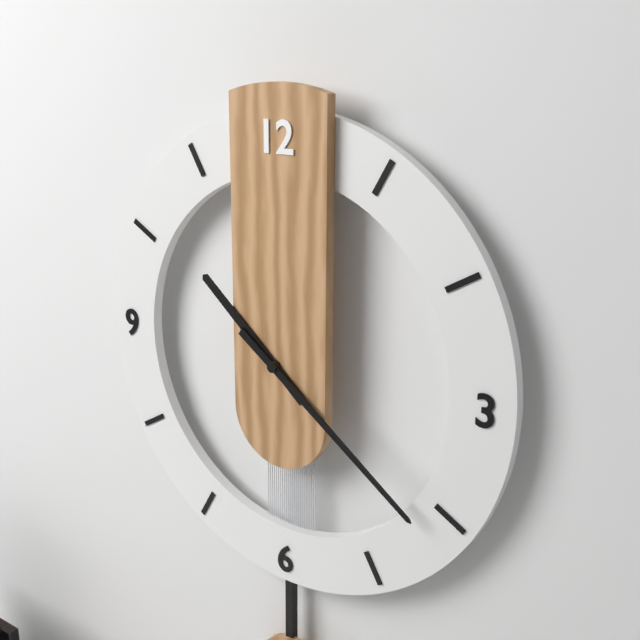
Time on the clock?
10:21
